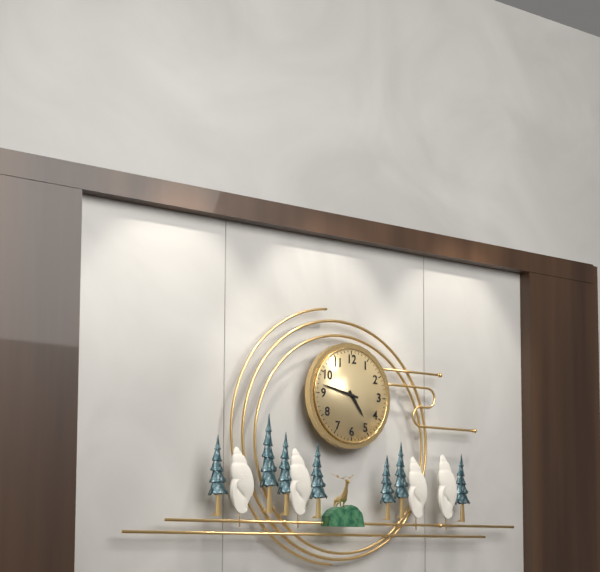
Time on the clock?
4:47
